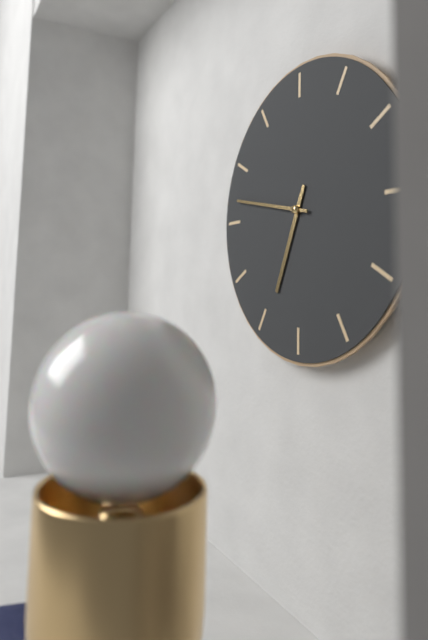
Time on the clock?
6:47
